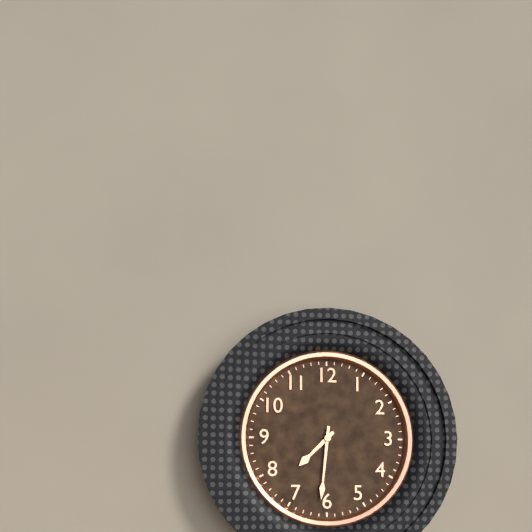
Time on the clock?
7:31
